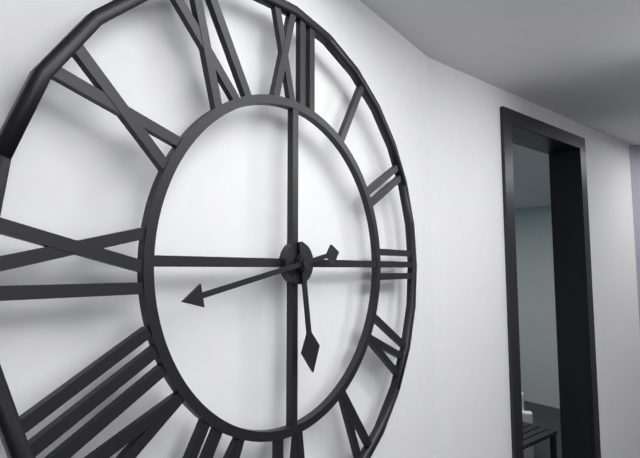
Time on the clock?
5:43
